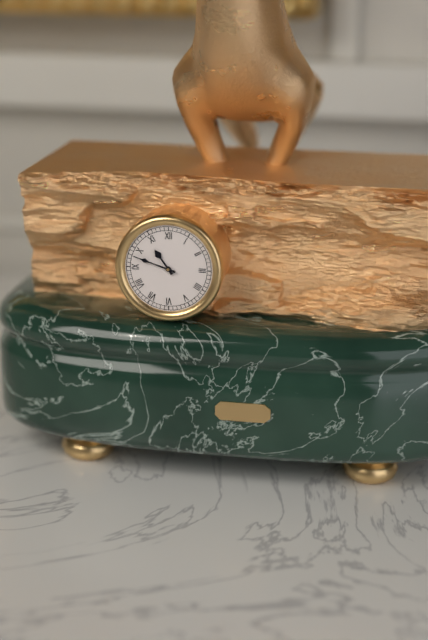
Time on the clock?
10:48
